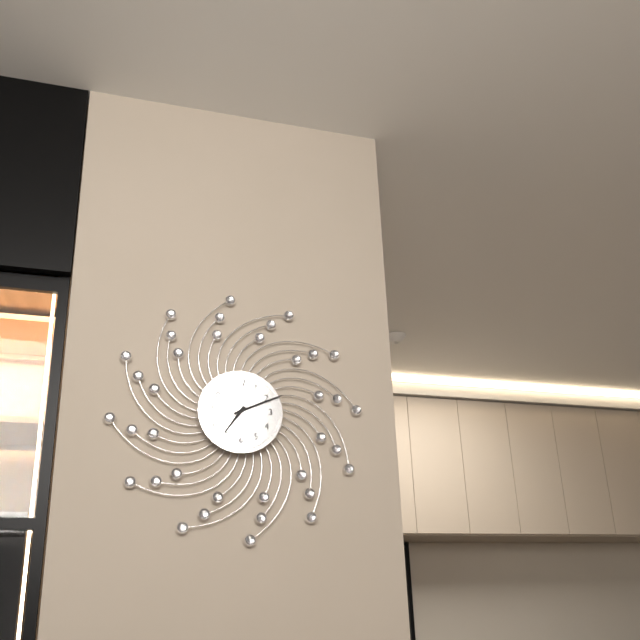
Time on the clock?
7:11
